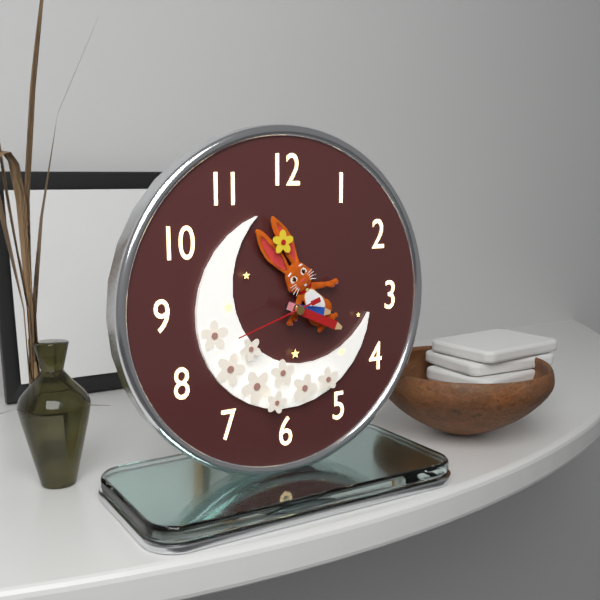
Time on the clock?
3:19:42
